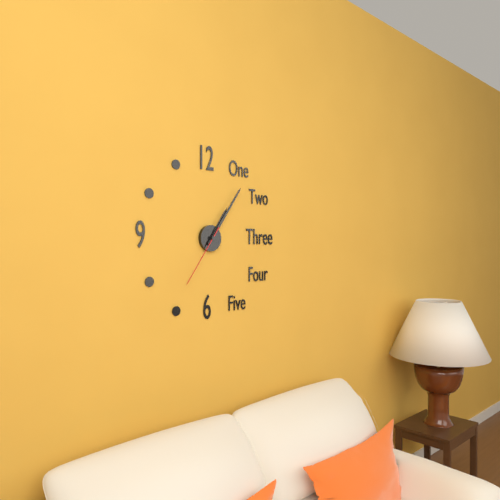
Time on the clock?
1:06:36
